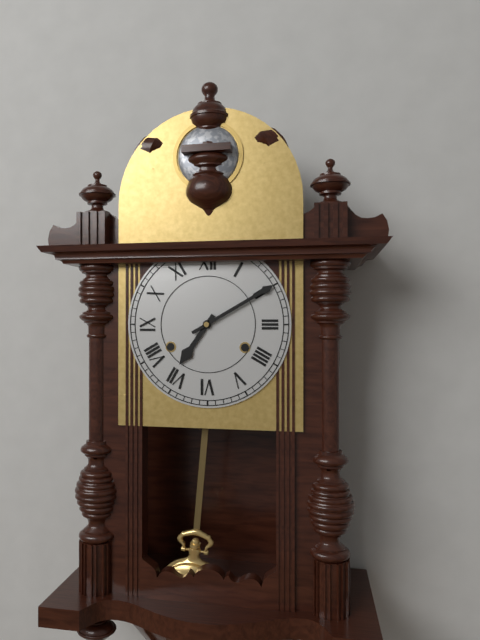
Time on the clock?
7:10
